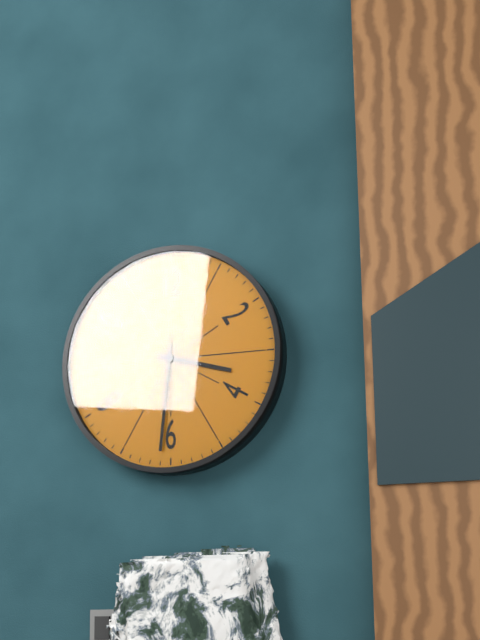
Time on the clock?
3:31
